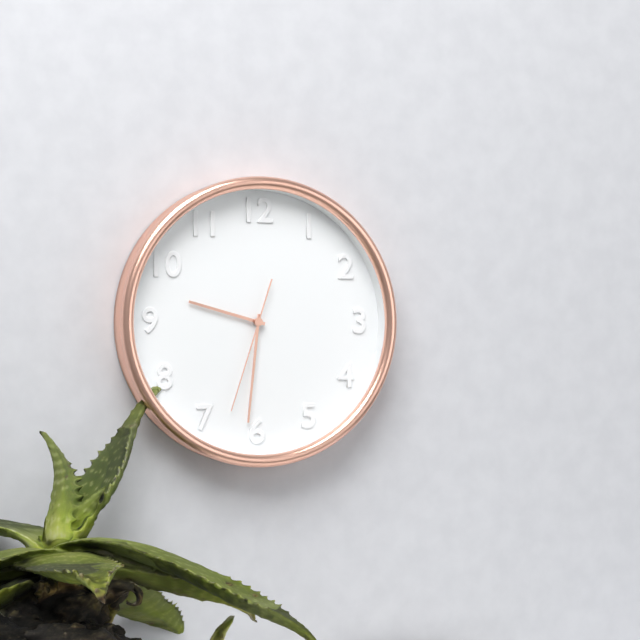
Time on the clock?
9:31:33
